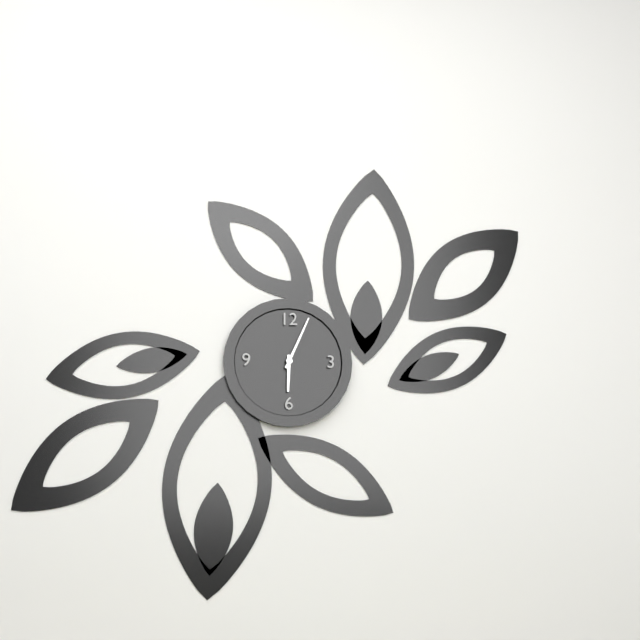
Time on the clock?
6:04
